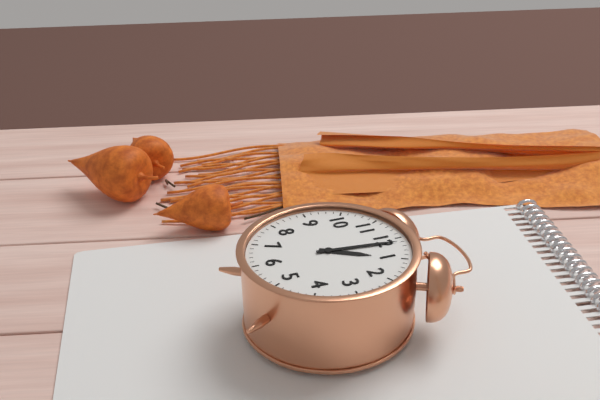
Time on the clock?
1:01
